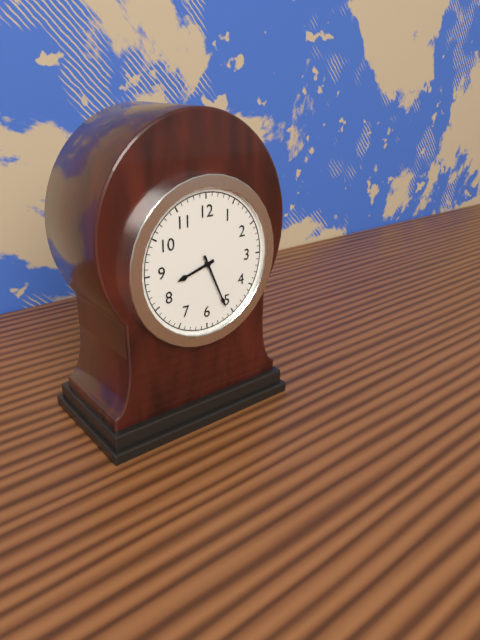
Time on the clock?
8:26
